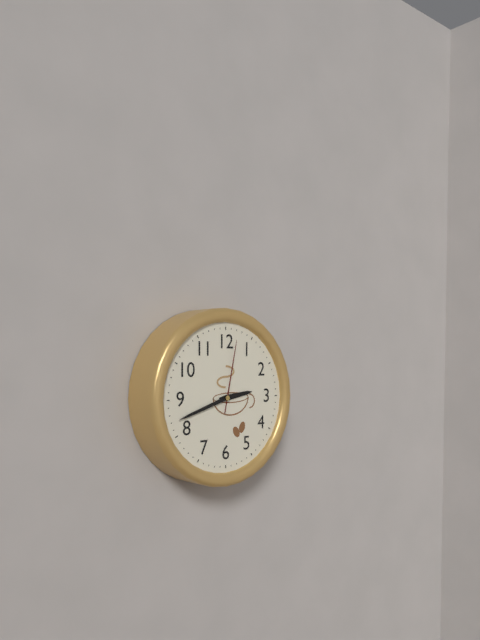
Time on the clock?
2:42:02
